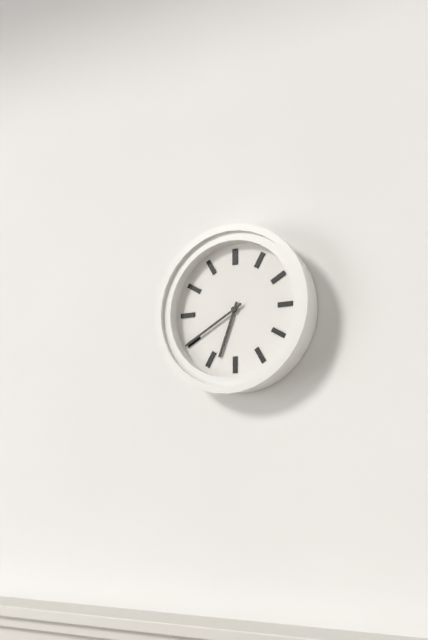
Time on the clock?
6:40
